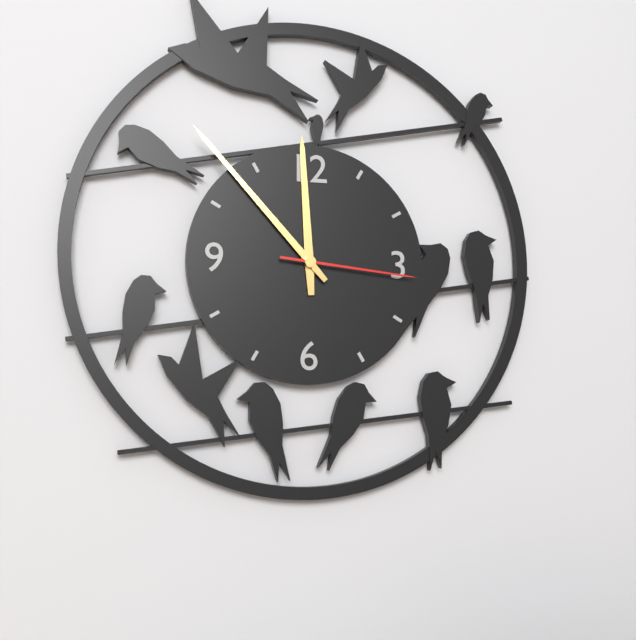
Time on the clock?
11:53:16
